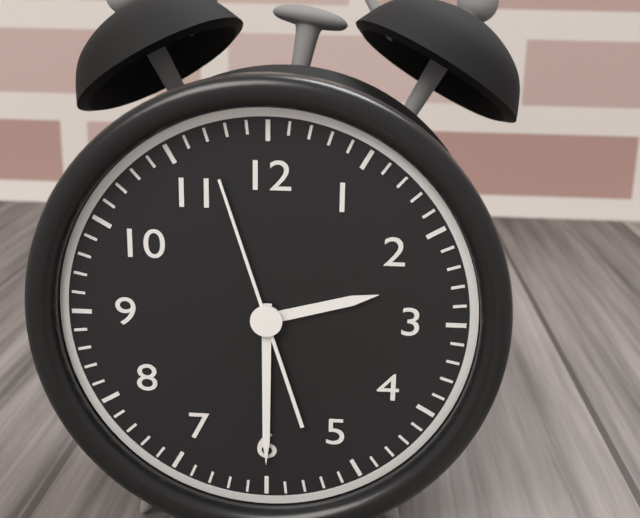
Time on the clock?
2:30:57
